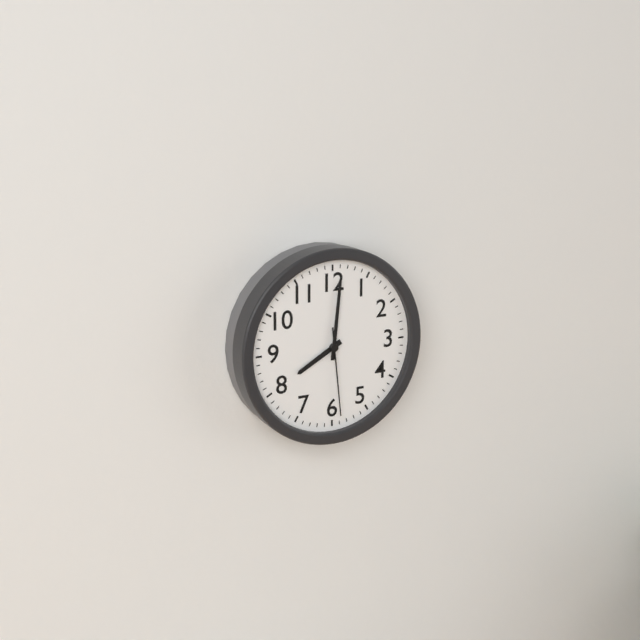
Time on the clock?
8:01:29
